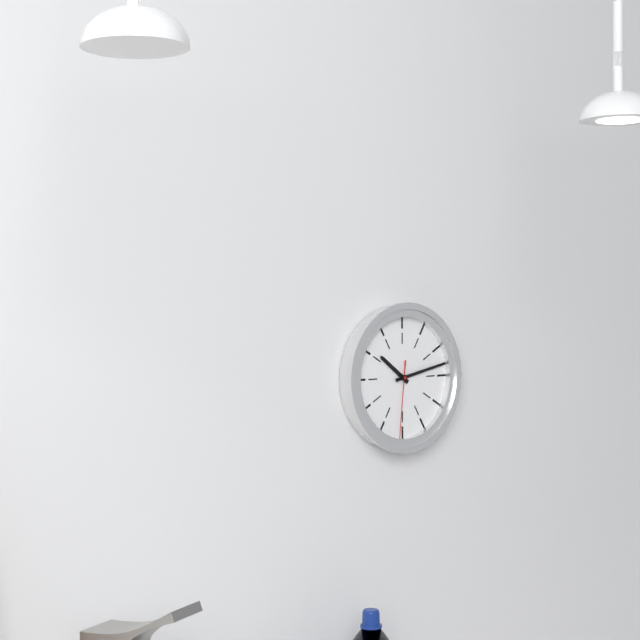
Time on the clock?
10:13:31
